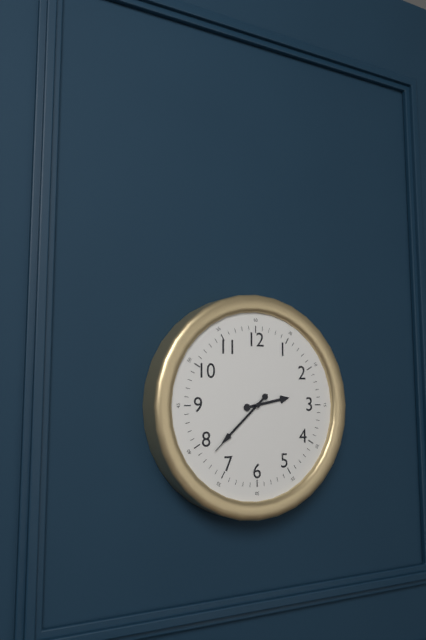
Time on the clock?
2:38:38
